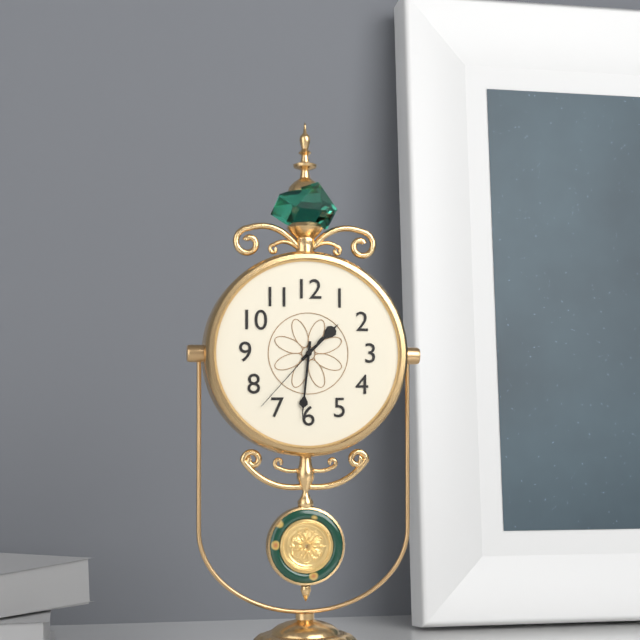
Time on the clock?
1:31:37
